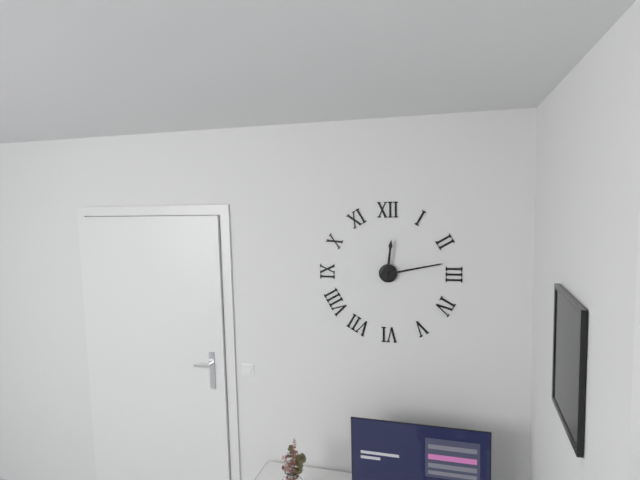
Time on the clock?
12:13
